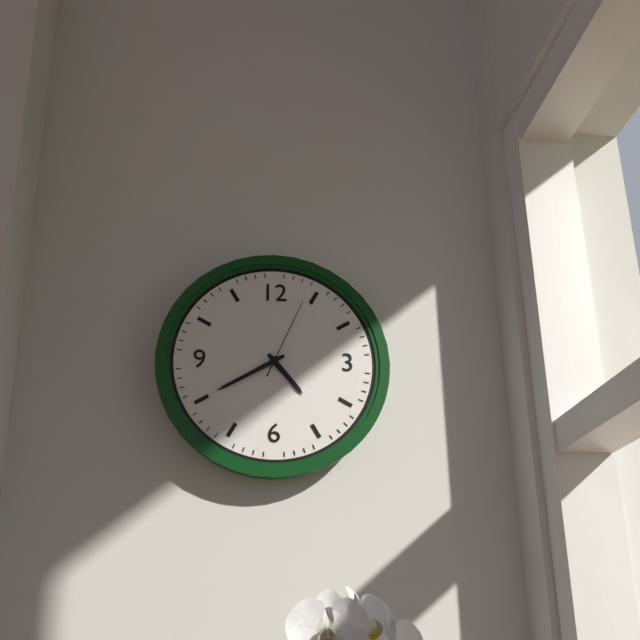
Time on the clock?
4:40:04
